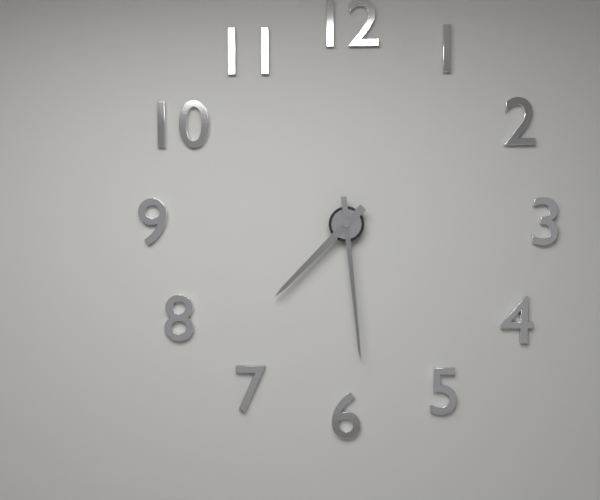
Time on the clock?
7:29
